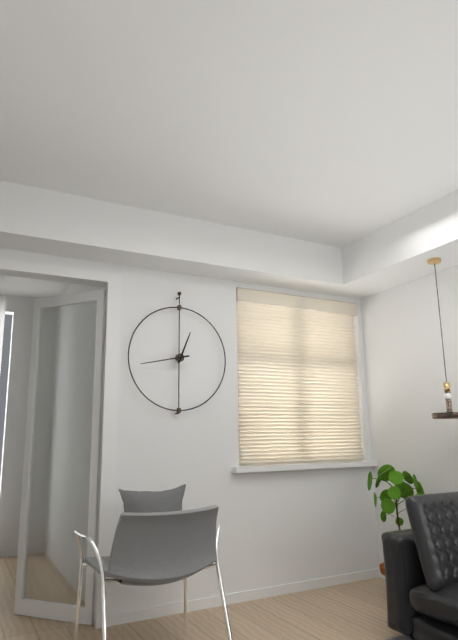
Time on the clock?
12:43
